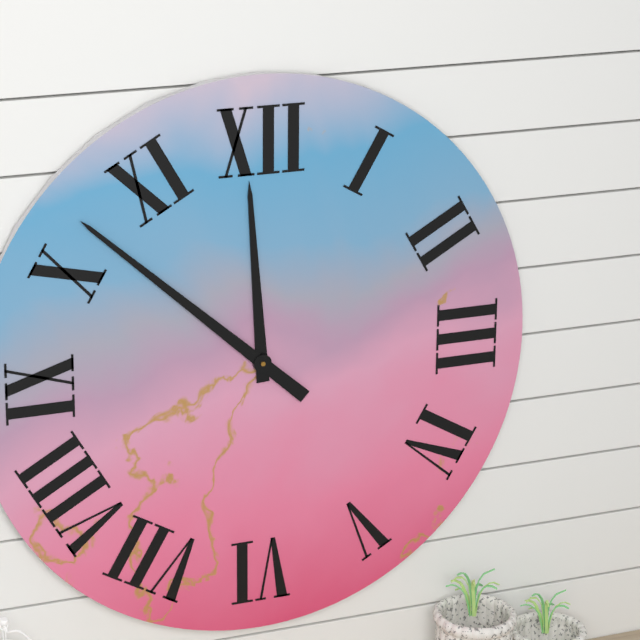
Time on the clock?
11:52
